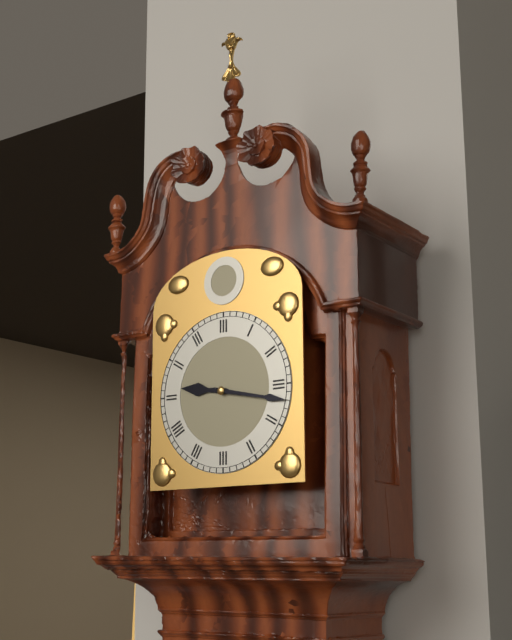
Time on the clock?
9:17
